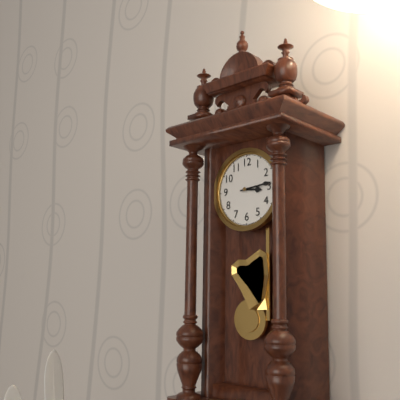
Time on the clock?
3:14
